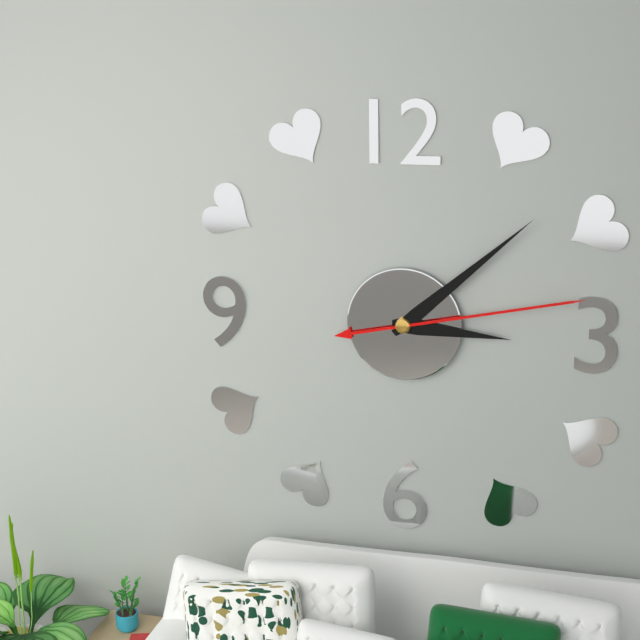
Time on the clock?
3:08:13
